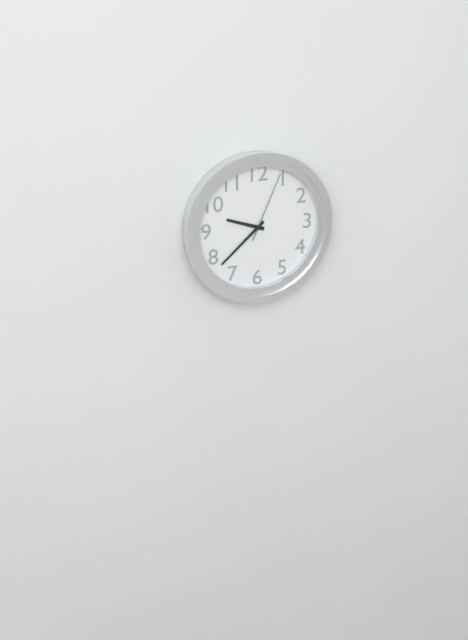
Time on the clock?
9:38:04
